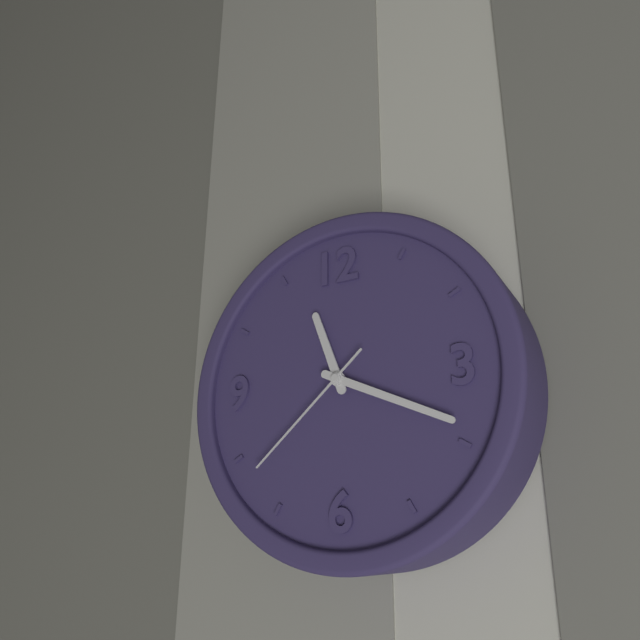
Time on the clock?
11:19:38
